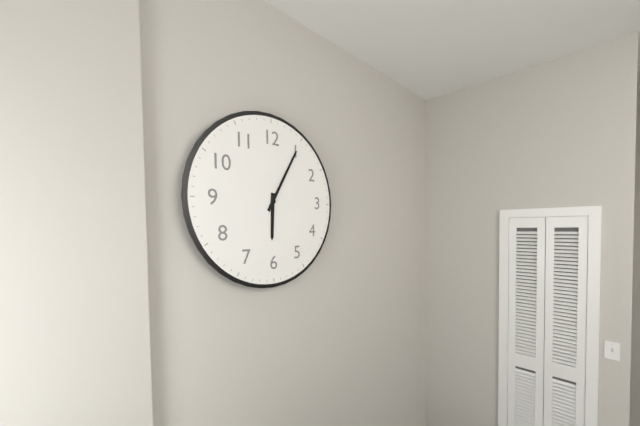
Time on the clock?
6:05
